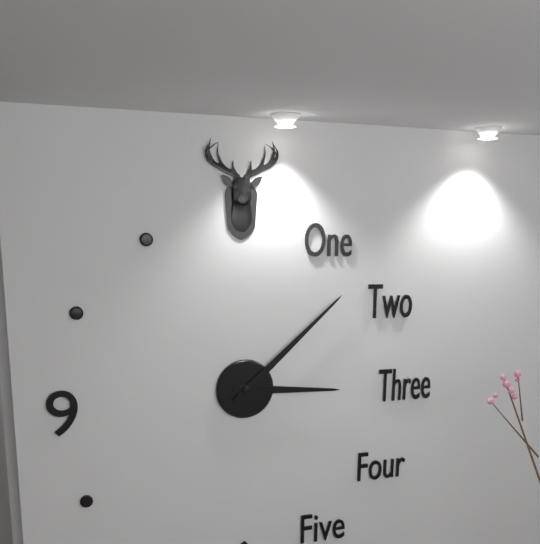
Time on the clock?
3:08
